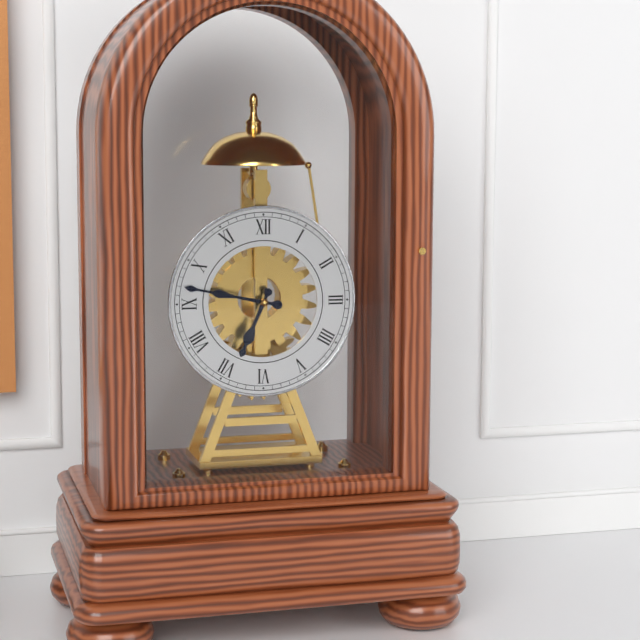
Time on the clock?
6:47
